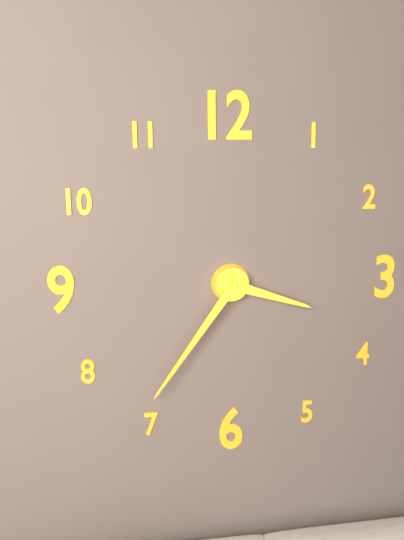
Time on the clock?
3:36
